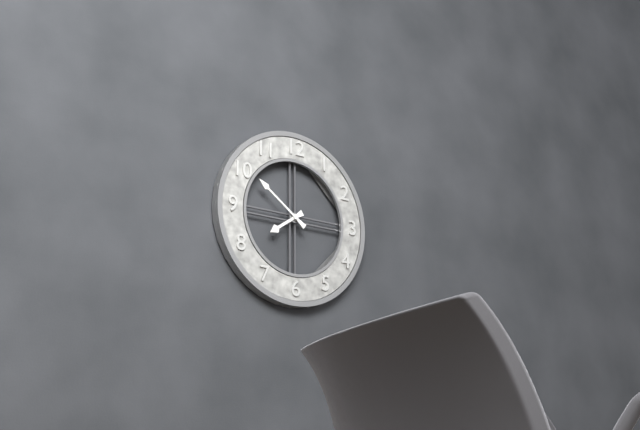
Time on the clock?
7:51
